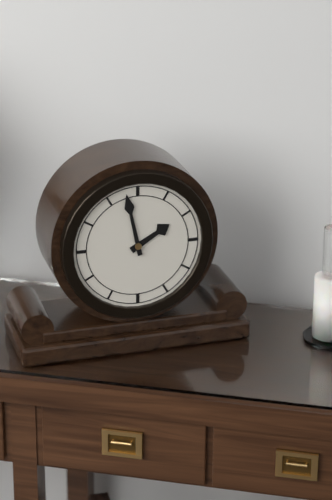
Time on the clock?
1:58
